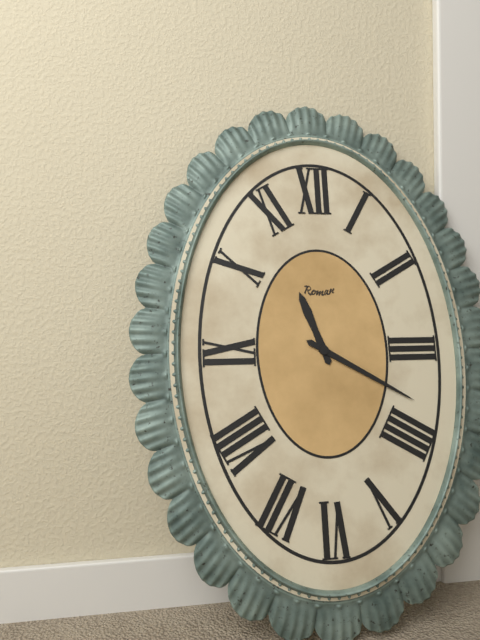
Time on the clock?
11:20
